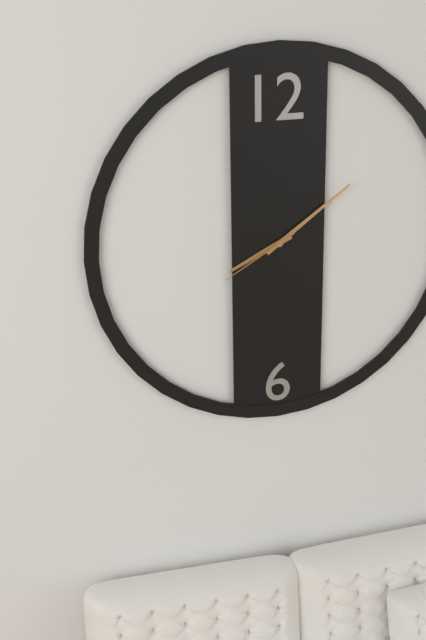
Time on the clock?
8:09:40
